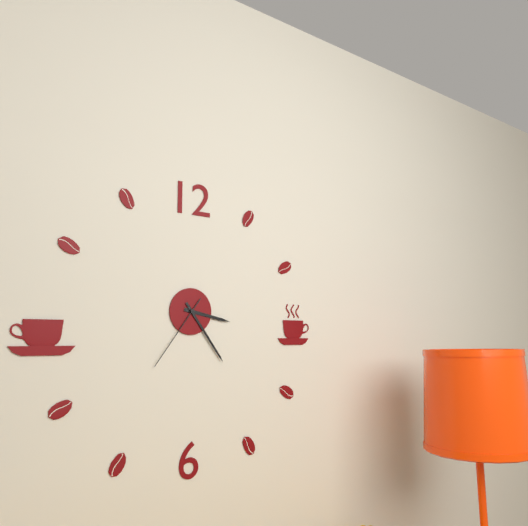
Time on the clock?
3:24:36
